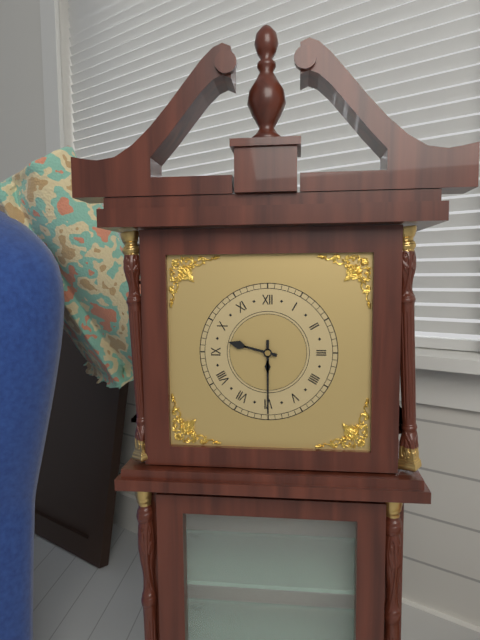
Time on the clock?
9:30
